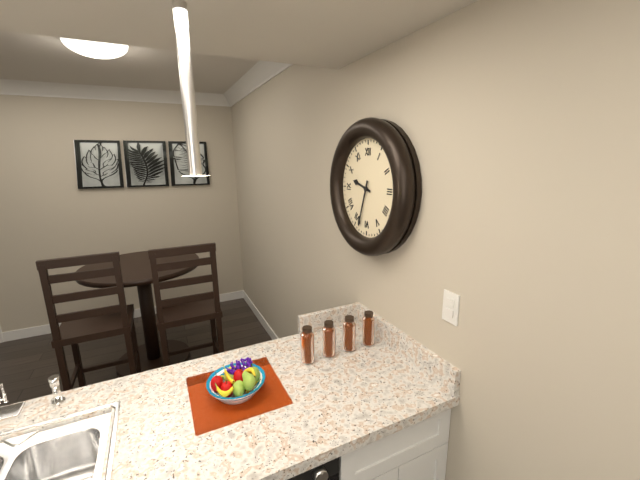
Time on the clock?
9:33
